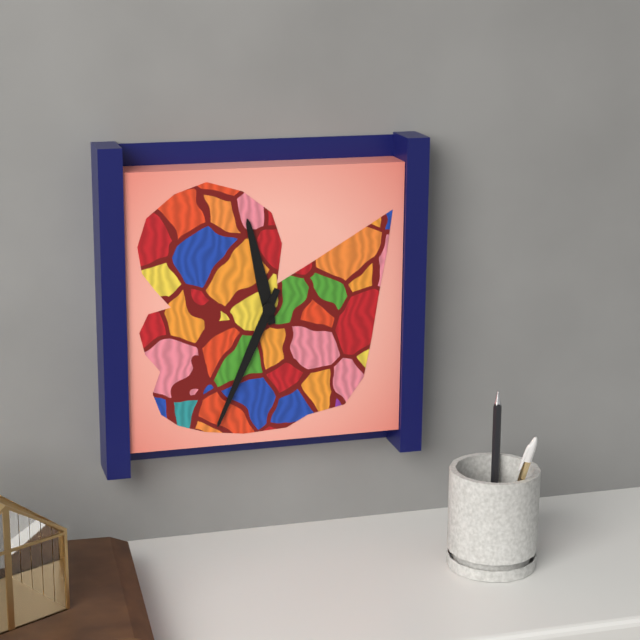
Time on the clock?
11:34
